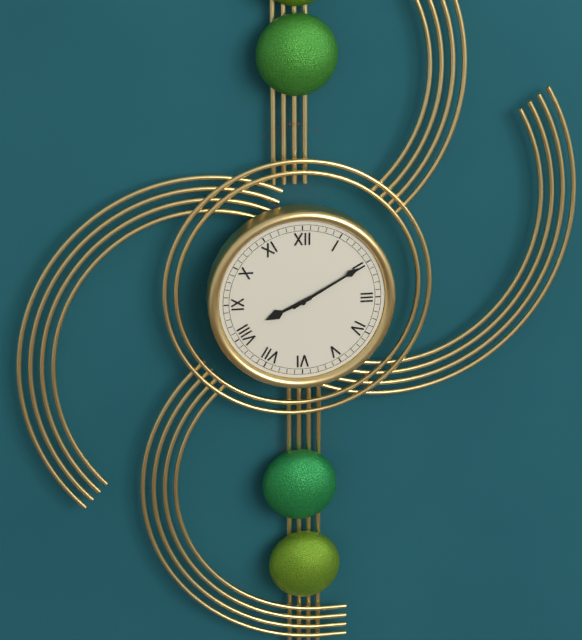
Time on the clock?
8:10
